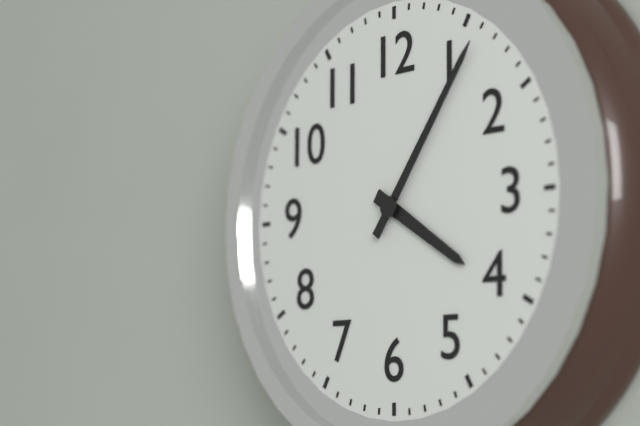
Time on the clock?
4:06
